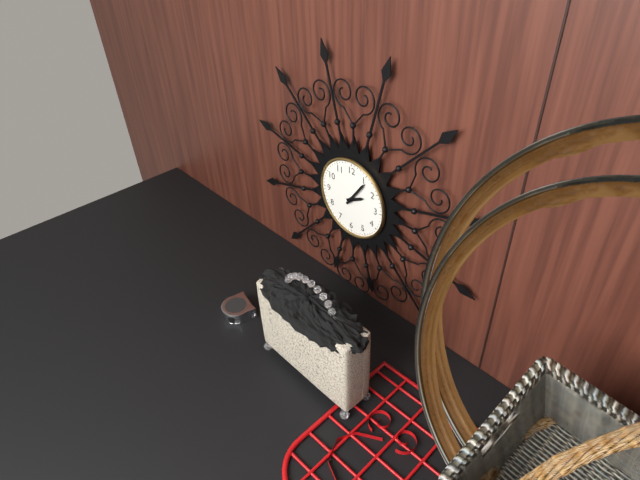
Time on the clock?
2:06
